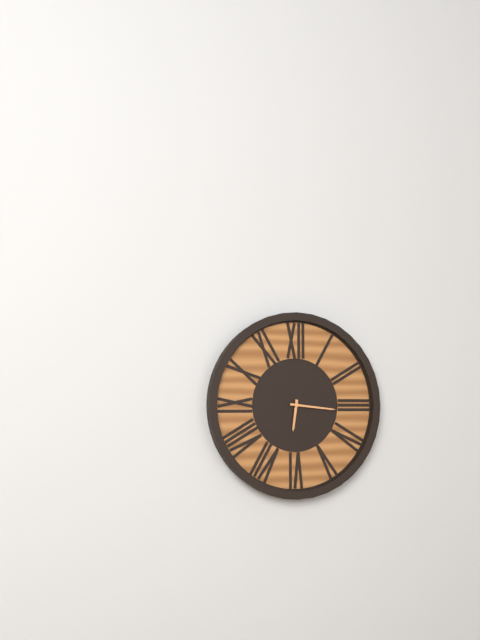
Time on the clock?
6:16
